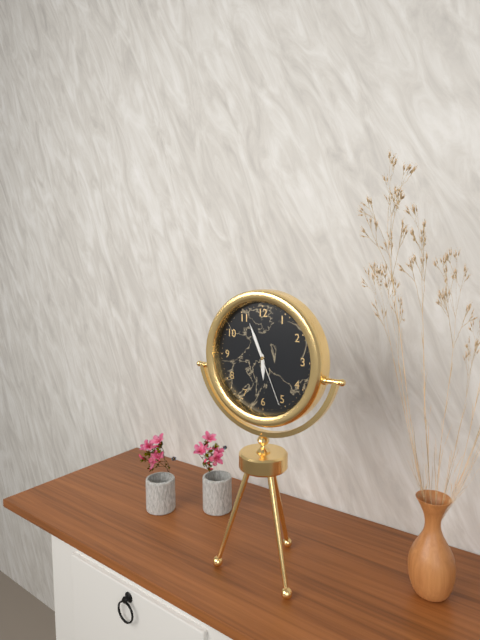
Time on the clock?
5:56:26
